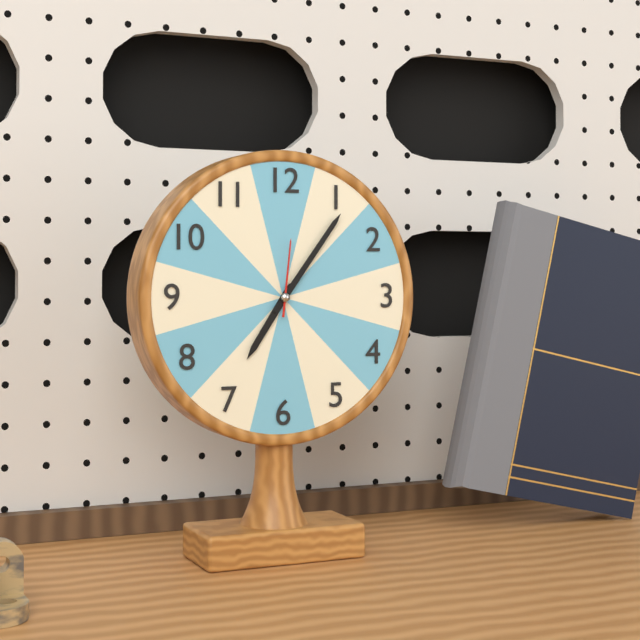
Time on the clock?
7:06:01
